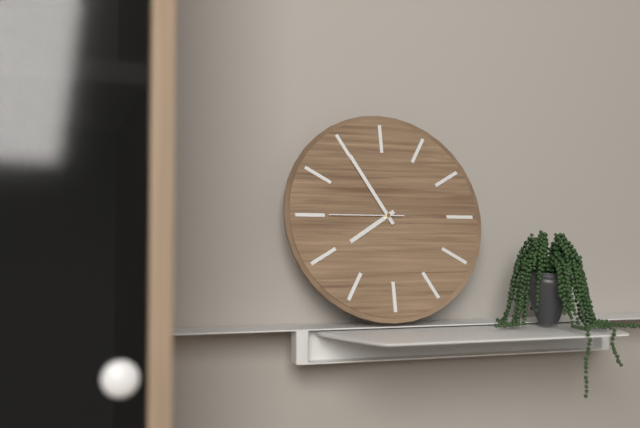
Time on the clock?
7:55:45
